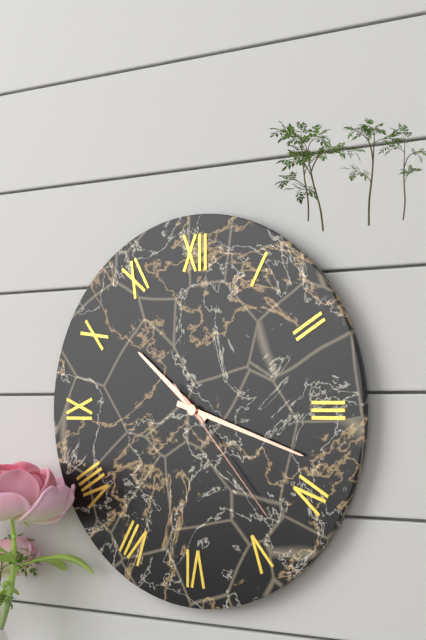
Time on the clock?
10:18:23
